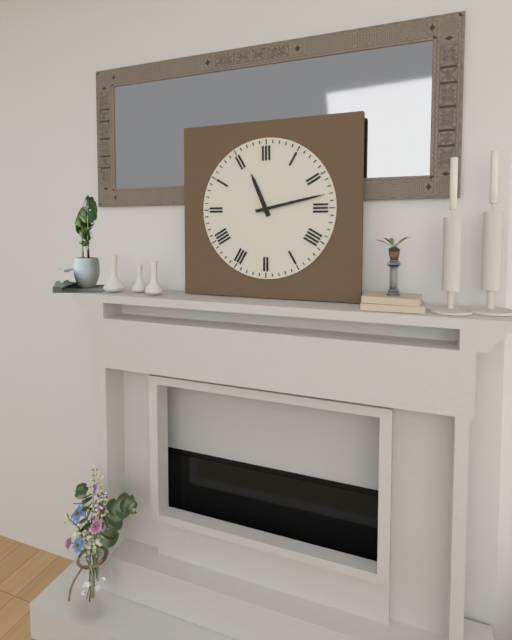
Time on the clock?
11:13
